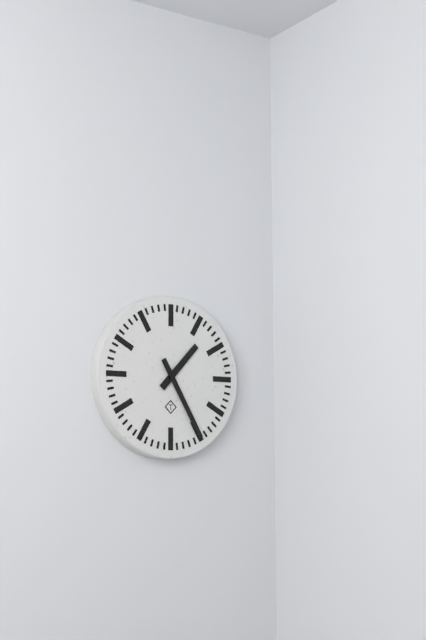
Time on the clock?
1:25
